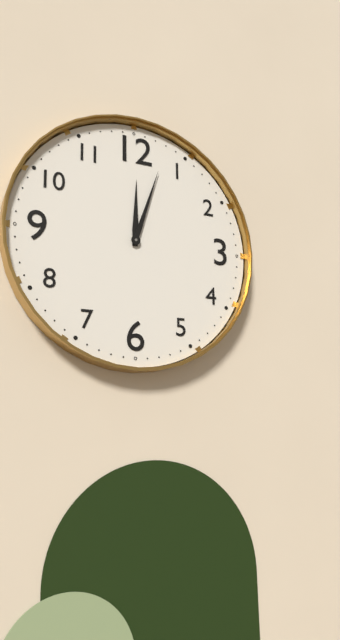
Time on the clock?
12:03
